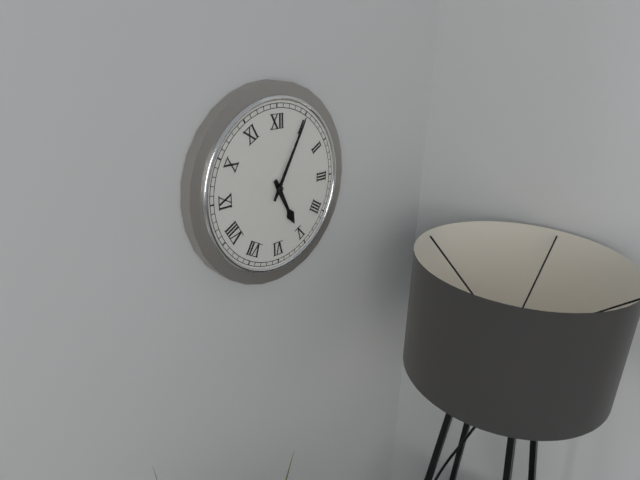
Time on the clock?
5:05
